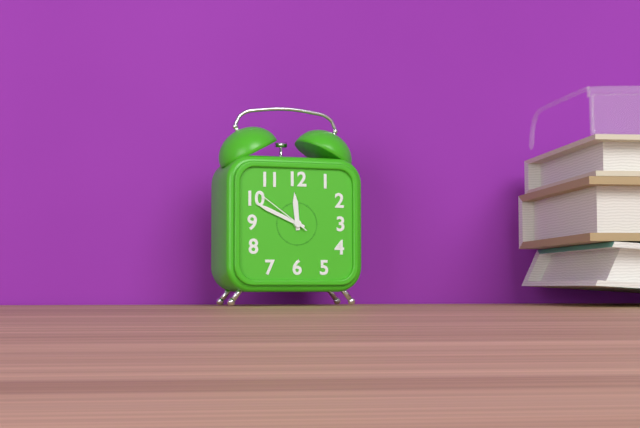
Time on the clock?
11:49:51
